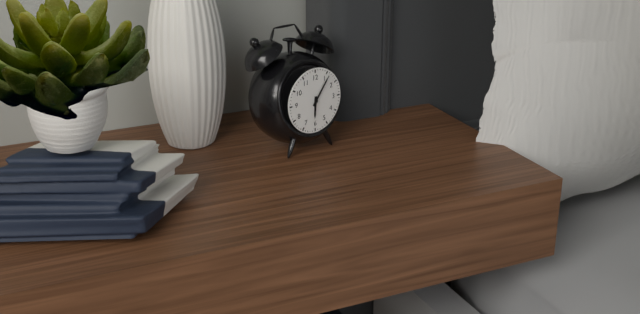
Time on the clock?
6:06
